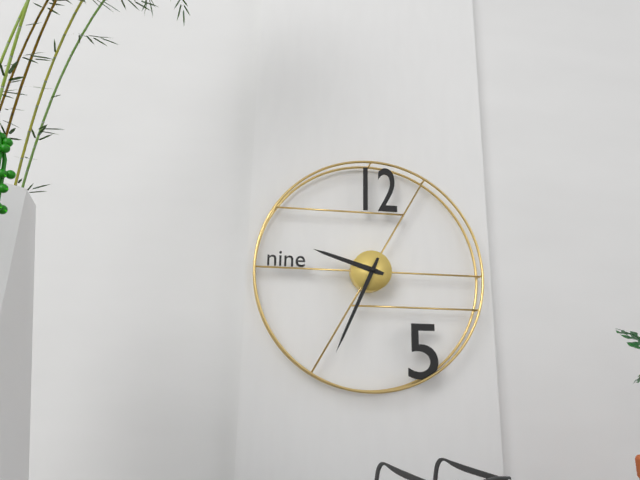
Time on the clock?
9:34
